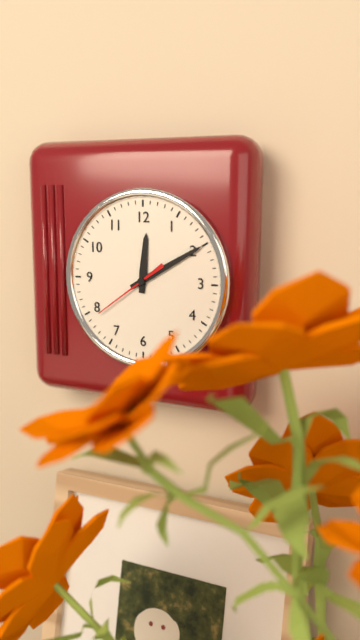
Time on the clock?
12:10:39
